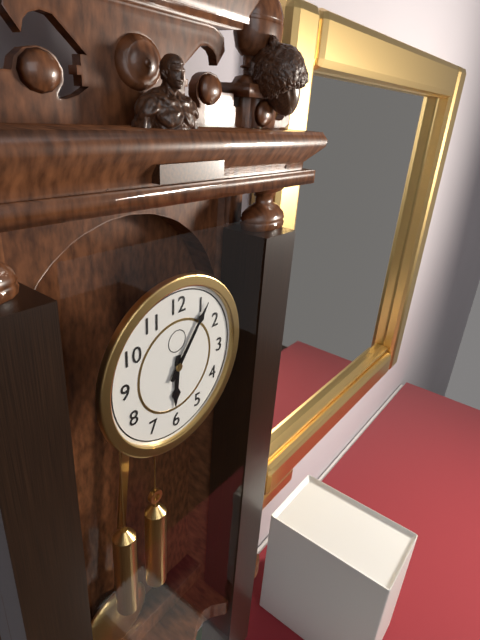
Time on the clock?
6:06
